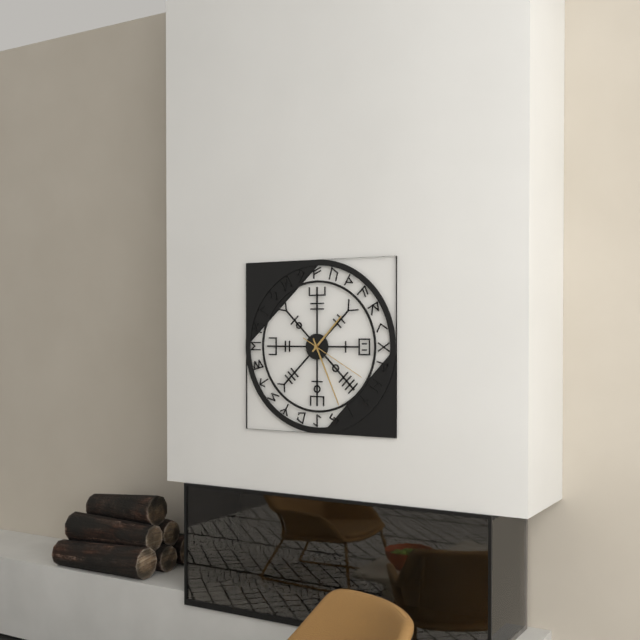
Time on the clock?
1:26:20
